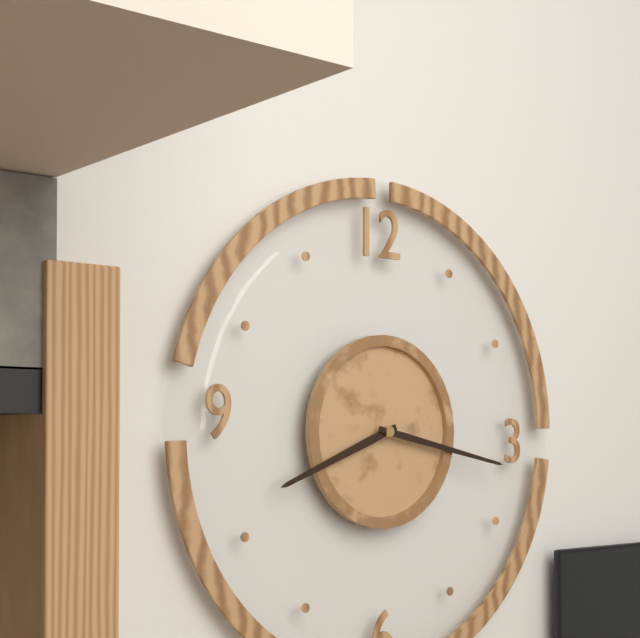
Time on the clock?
8:17
